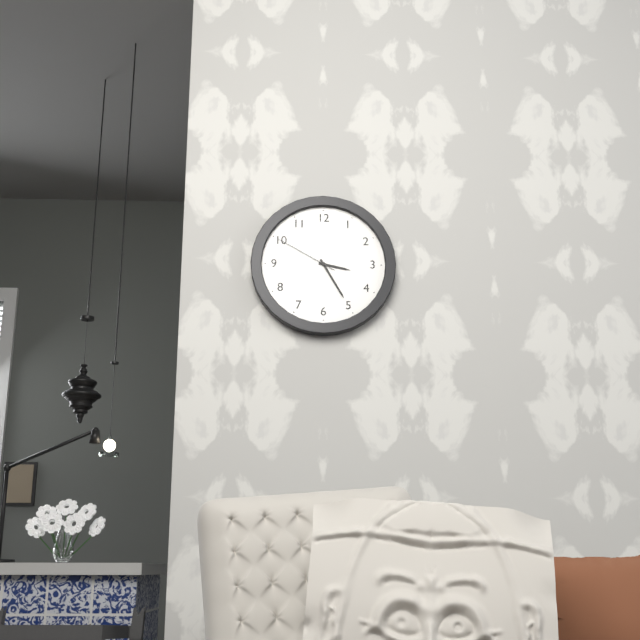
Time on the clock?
3:25:50
